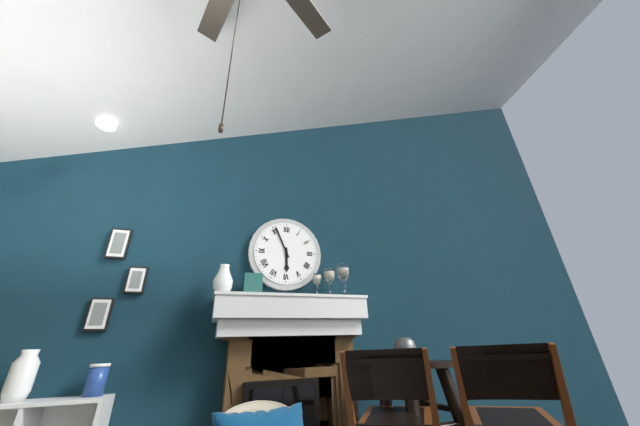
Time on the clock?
5:56
